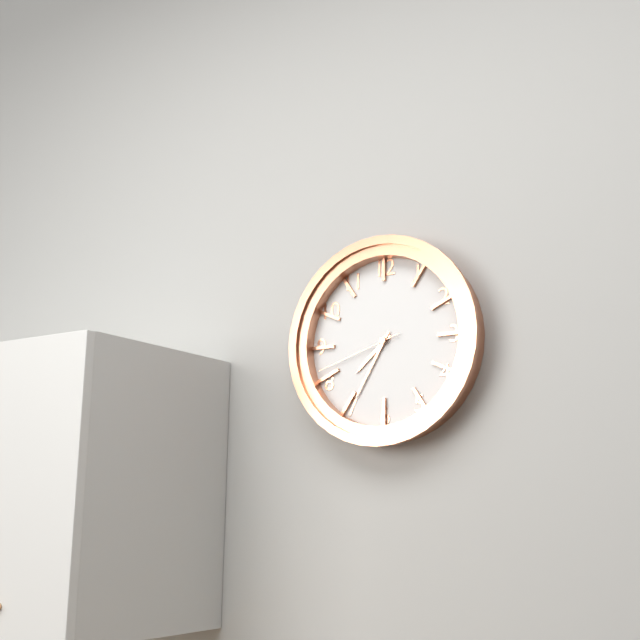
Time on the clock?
7:35:42
